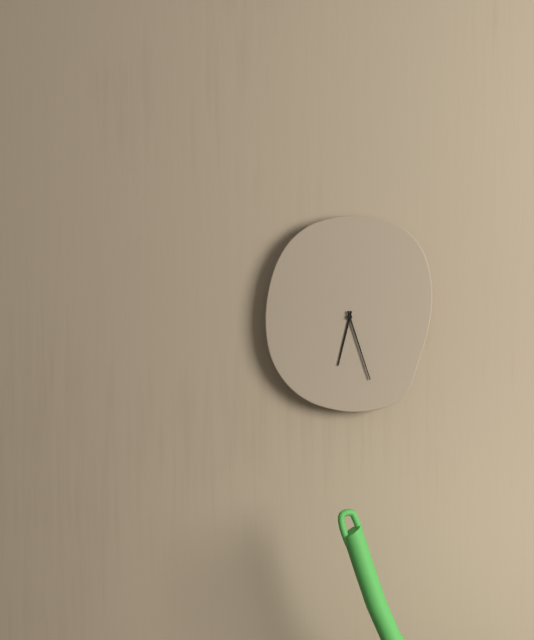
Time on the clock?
6:27
